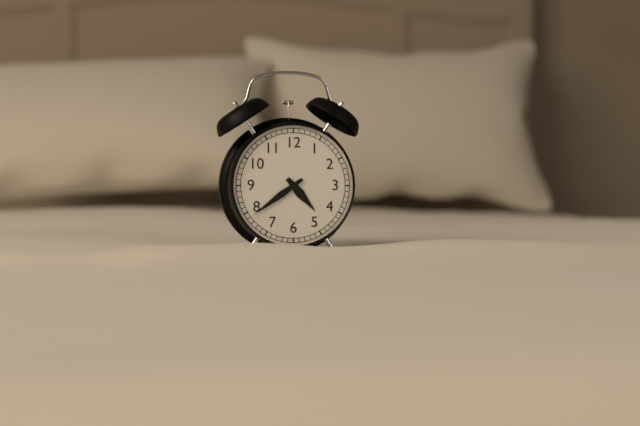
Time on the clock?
4:39
